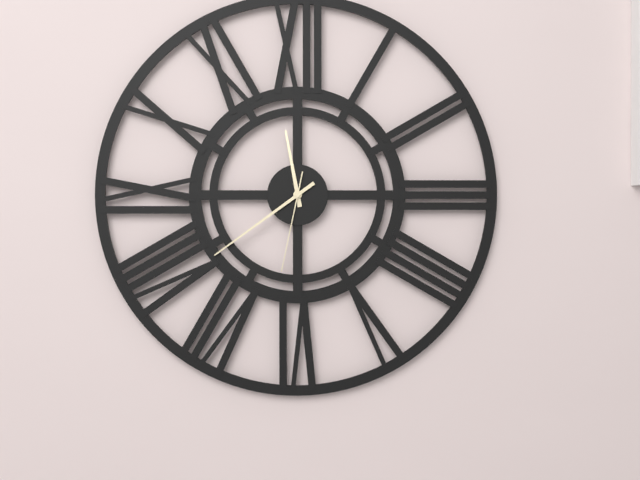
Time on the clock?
11:39:32
